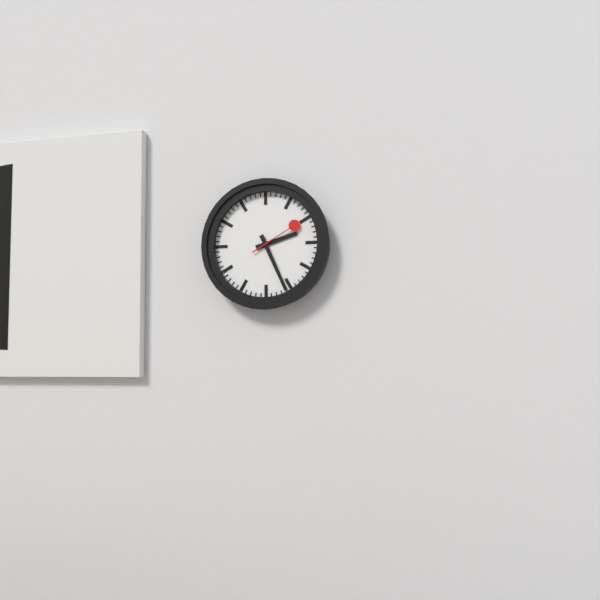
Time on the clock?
2:26:10
